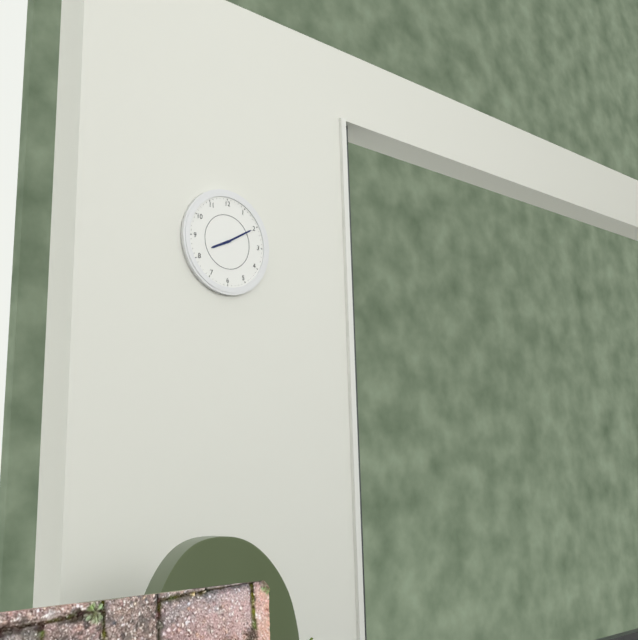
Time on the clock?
8:10
